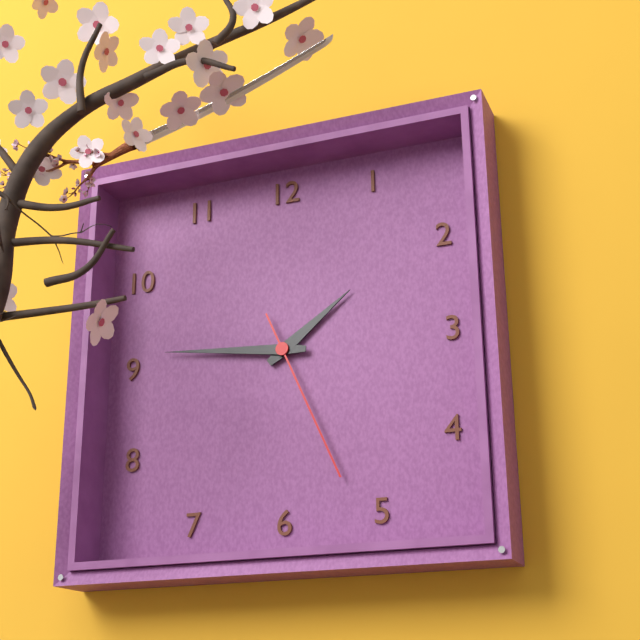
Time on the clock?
1:46:26
